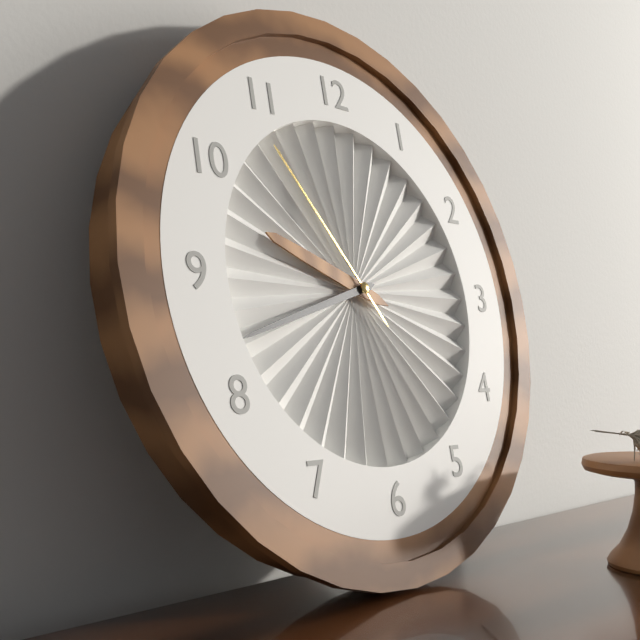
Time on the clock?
9:42:54
